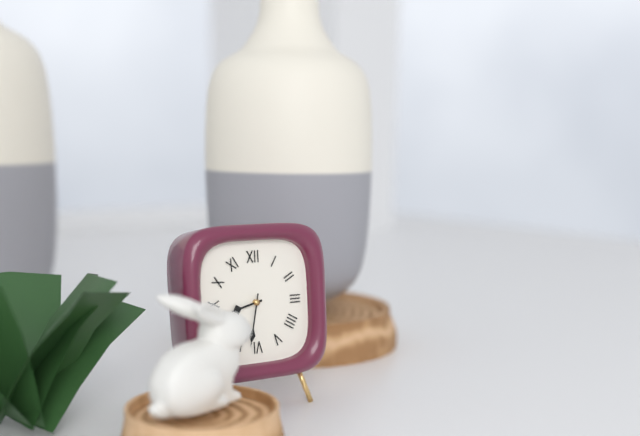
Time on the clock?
8:32
